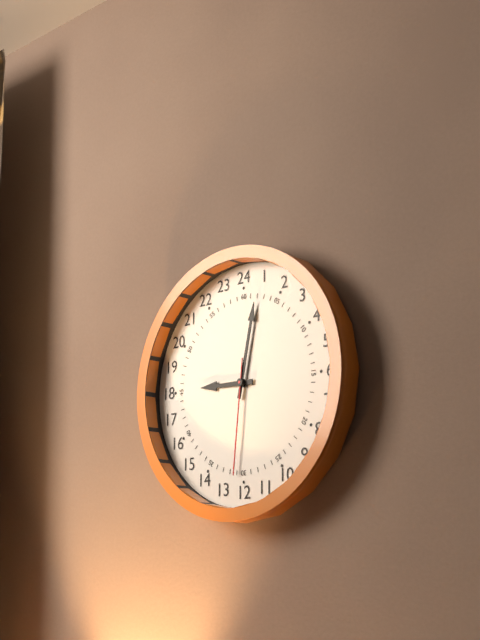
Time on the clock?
9:02:31
